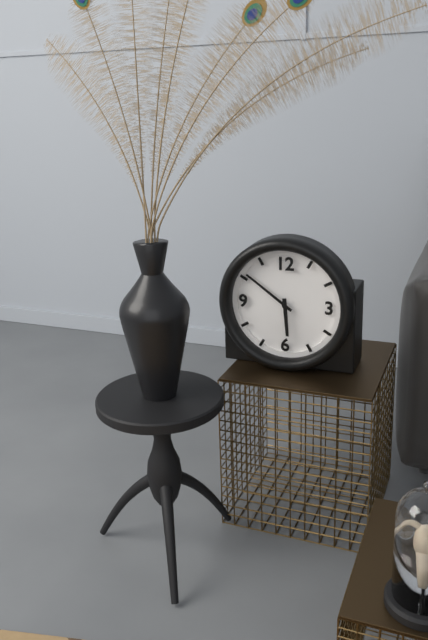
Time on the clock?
5:51
